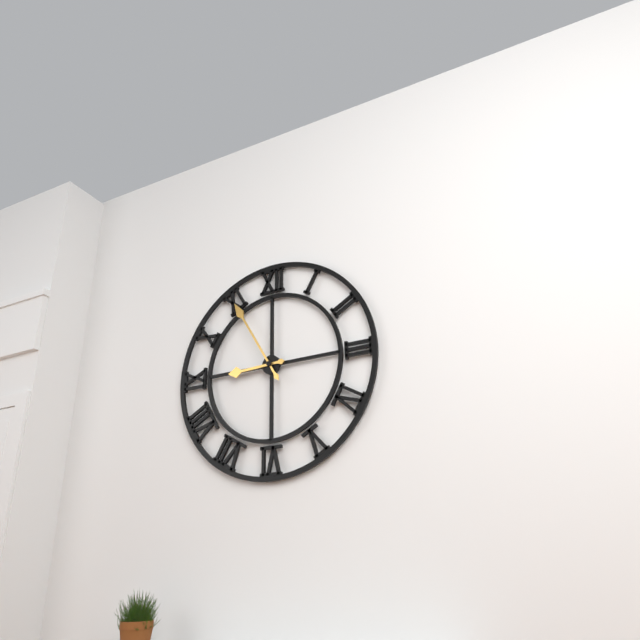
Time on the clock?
8:55
